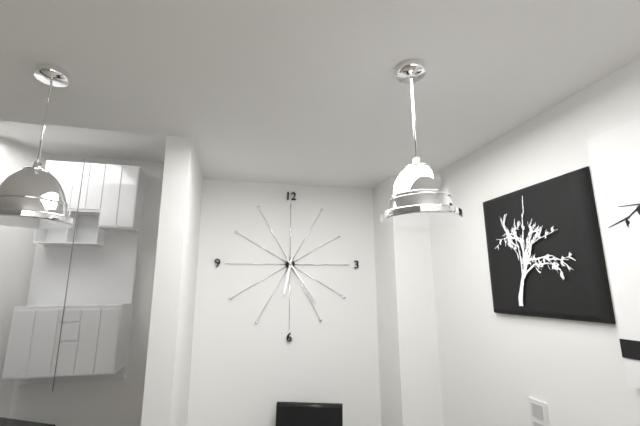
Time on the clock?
6:24
